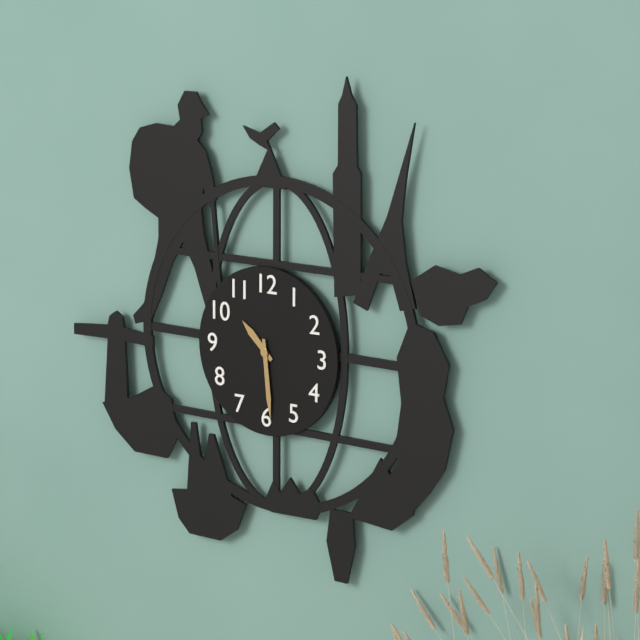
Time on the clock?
10:29
